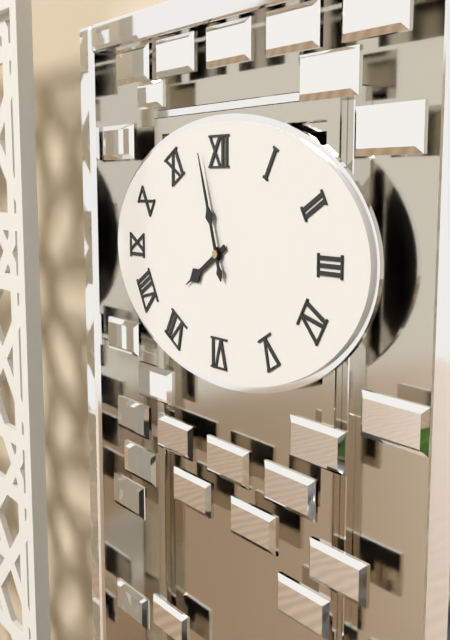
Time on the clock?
7:57
